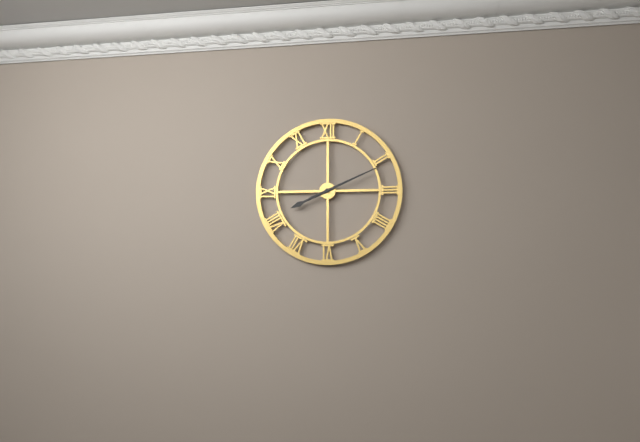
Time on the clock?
8:11
